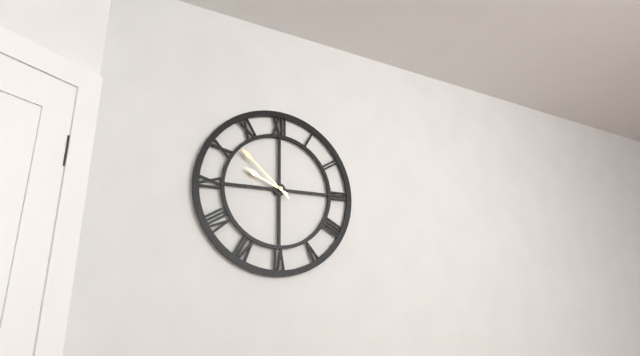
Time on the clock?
9:52
